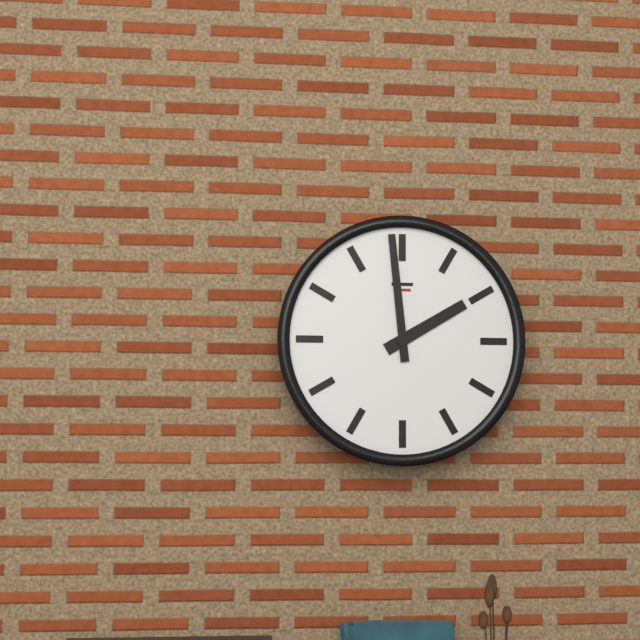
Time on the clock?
1:59
